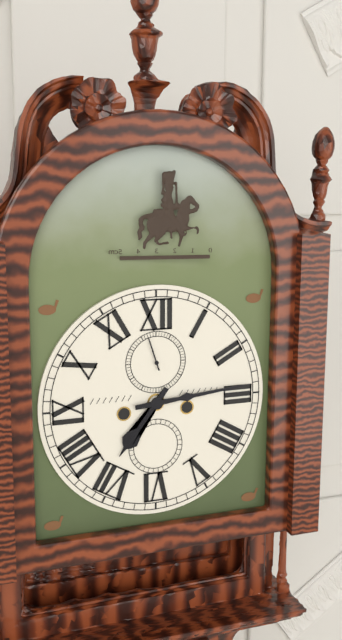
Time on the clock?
7:14
